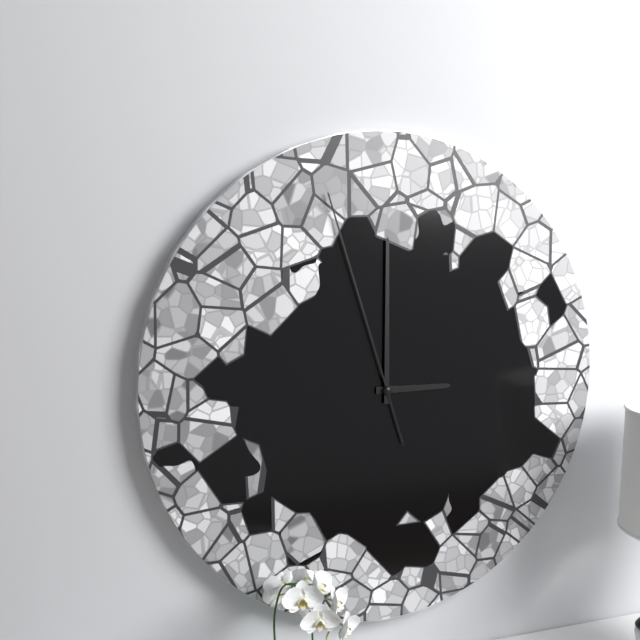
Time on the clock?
3:00:57
